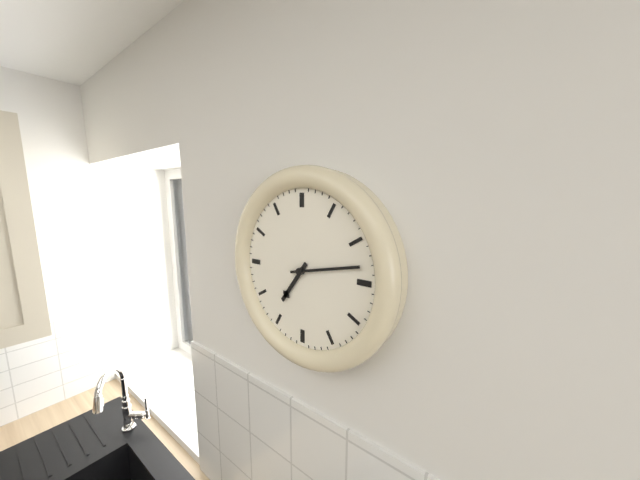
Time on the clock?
7:13
